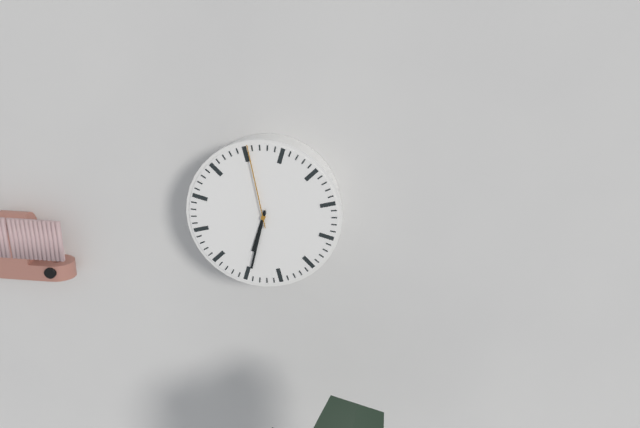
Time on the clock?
6:32:58
